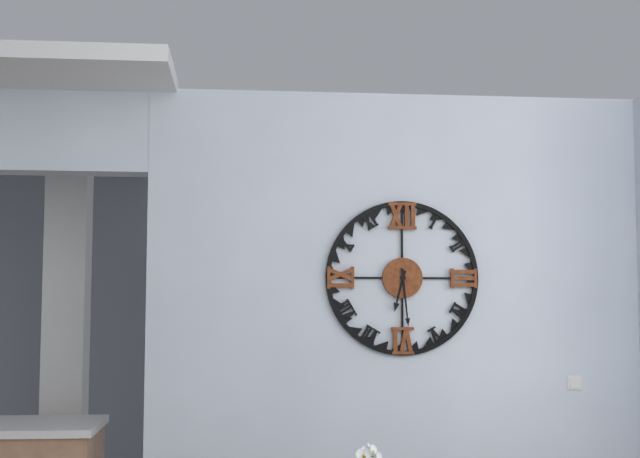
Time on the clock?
6:29
